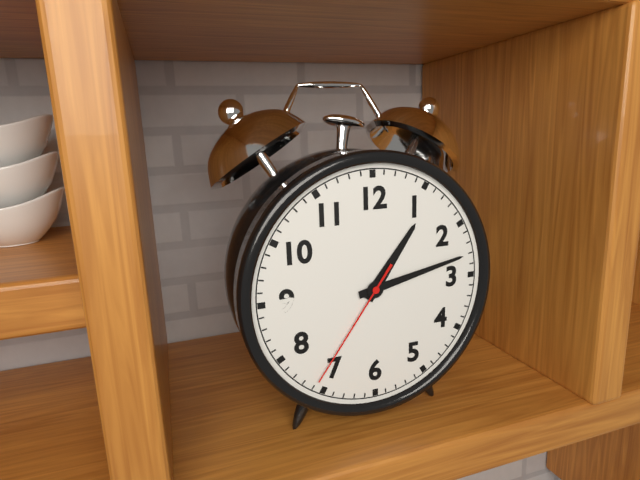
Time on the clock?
1:13:36
